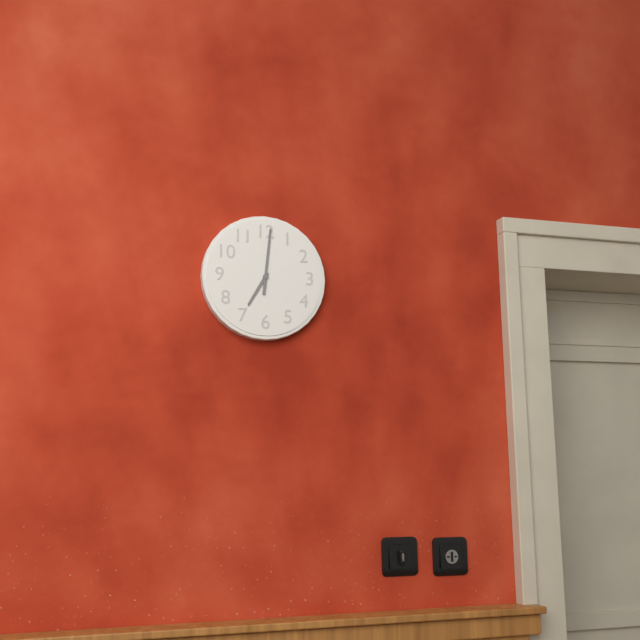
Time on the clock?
7:01
